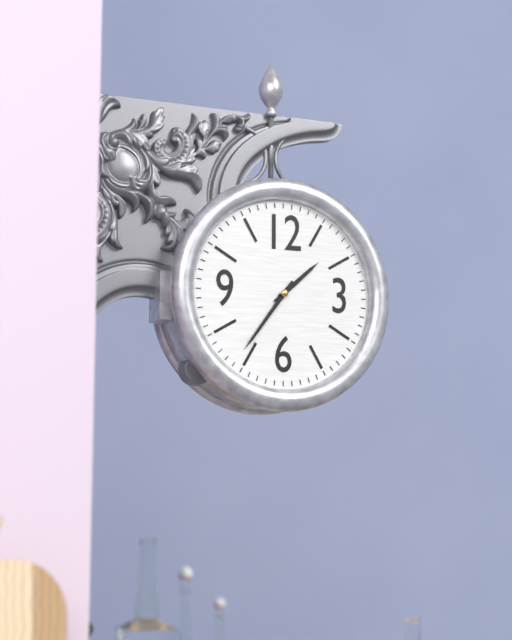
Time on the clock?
1:36
